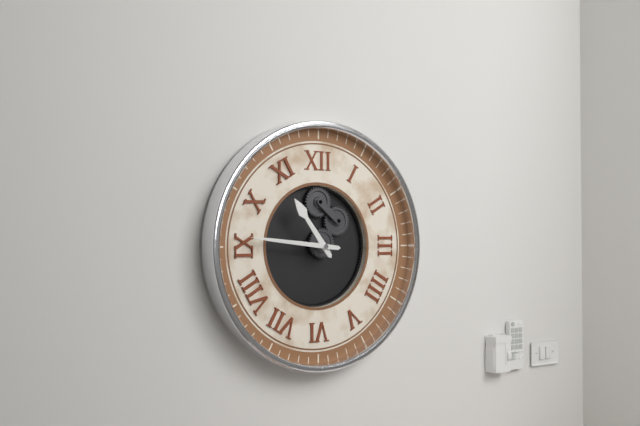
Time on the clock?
10:46
